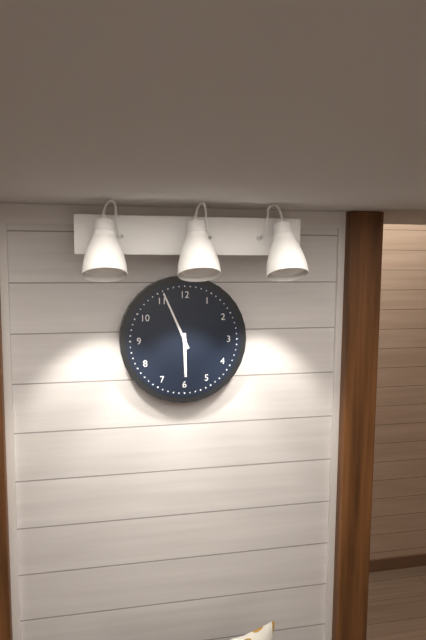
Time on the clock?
5:56
